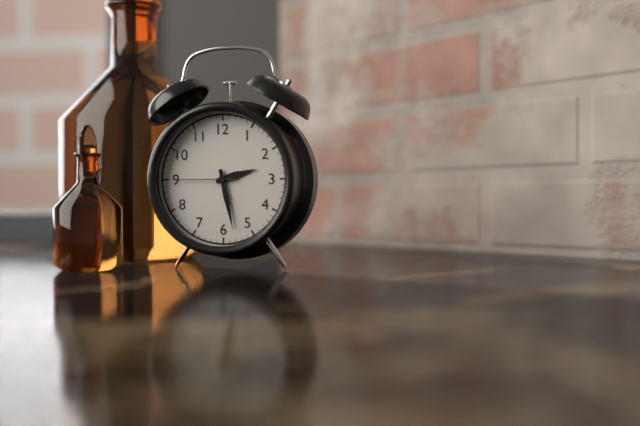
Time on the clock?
2:28:45
